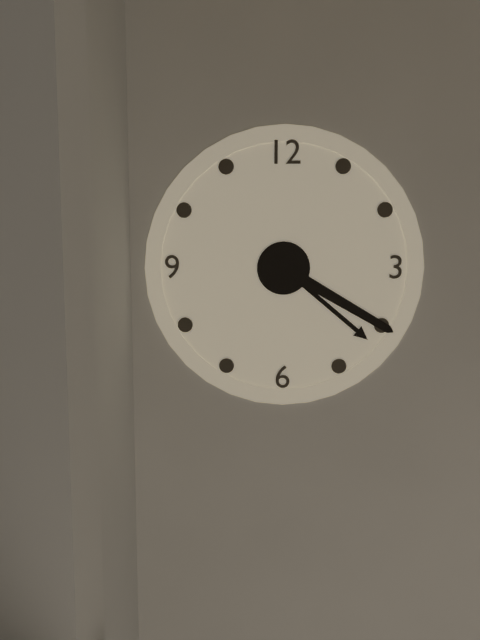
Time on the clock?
4:20
